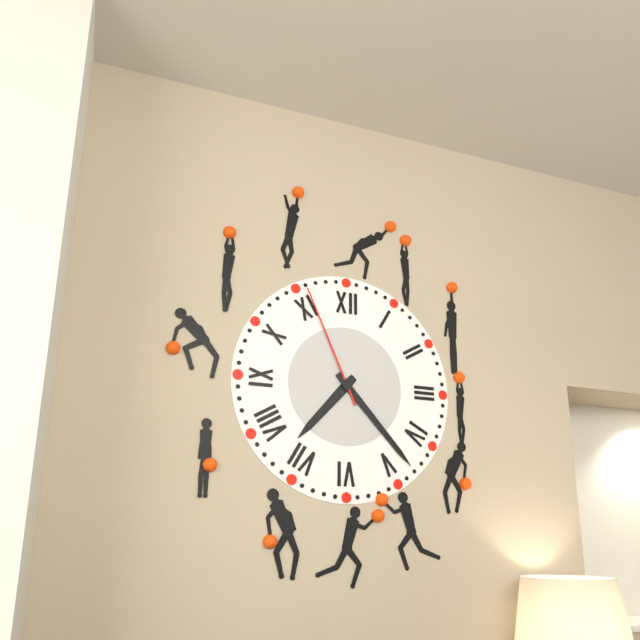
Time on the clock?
7:23:56
